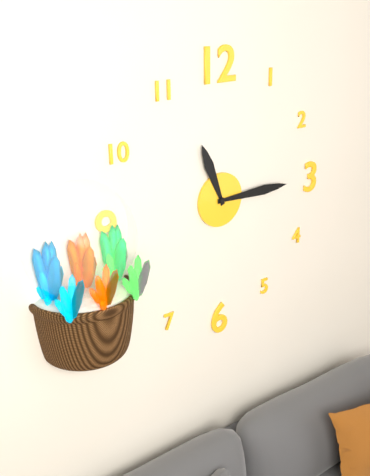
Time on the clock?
11:15
